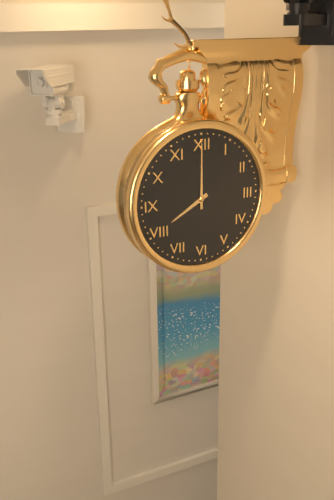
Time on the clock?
8:00
